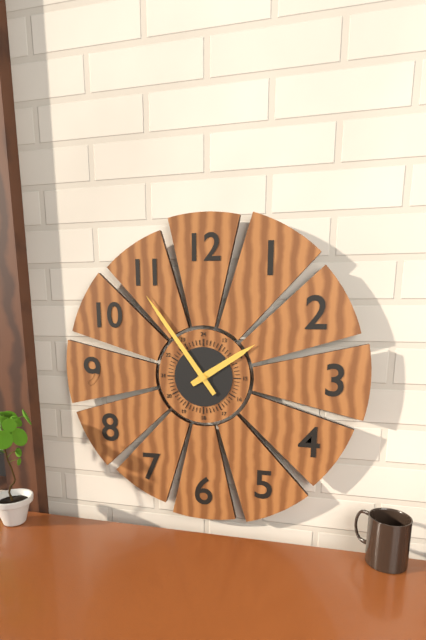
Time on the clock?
1:54
